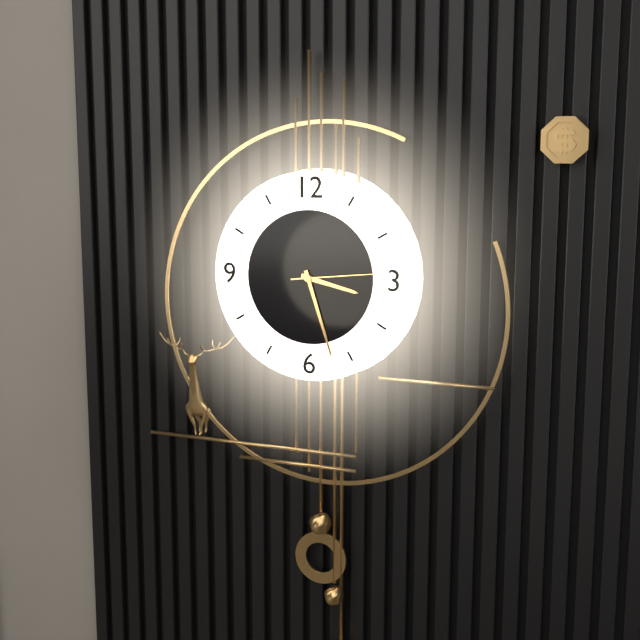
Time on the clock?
3:27:14
